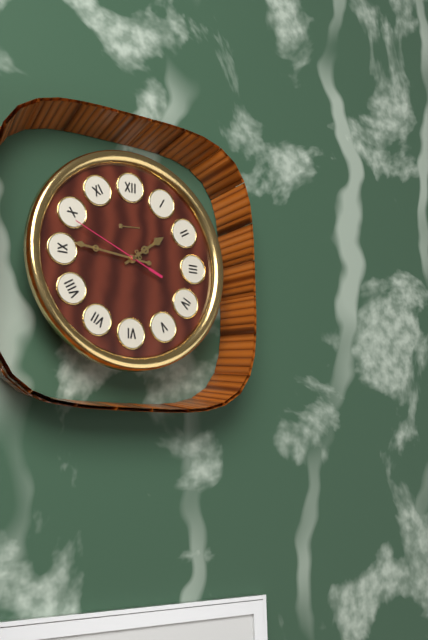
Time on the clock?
1:46:49
